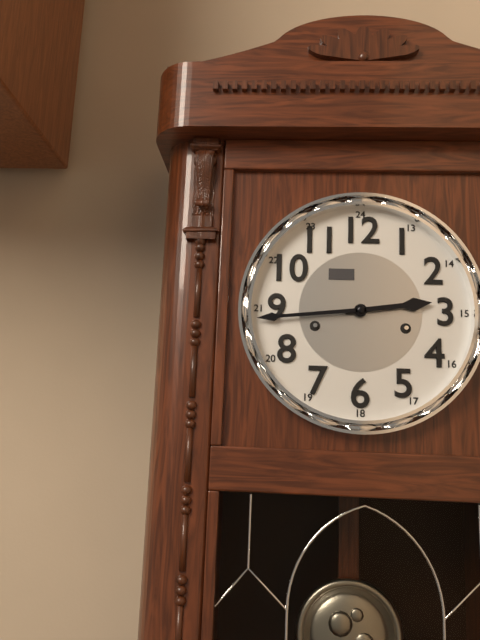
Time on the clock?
2:44
